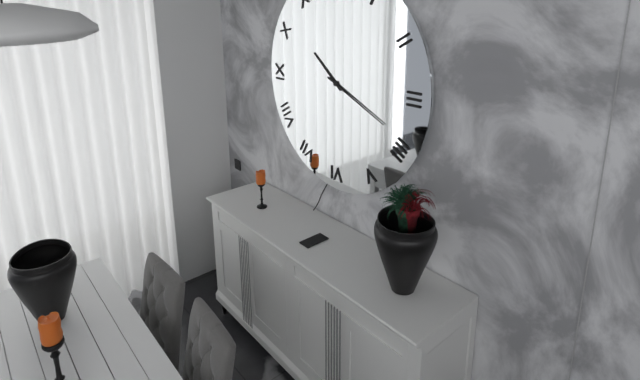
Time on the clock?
10:19
